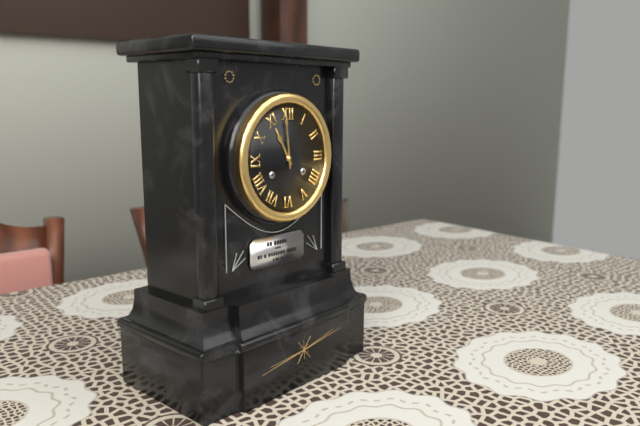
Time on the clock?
10:59
